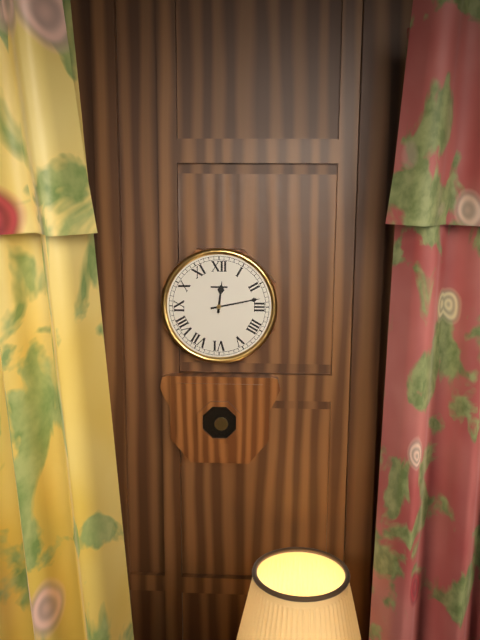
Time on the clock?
12:13
